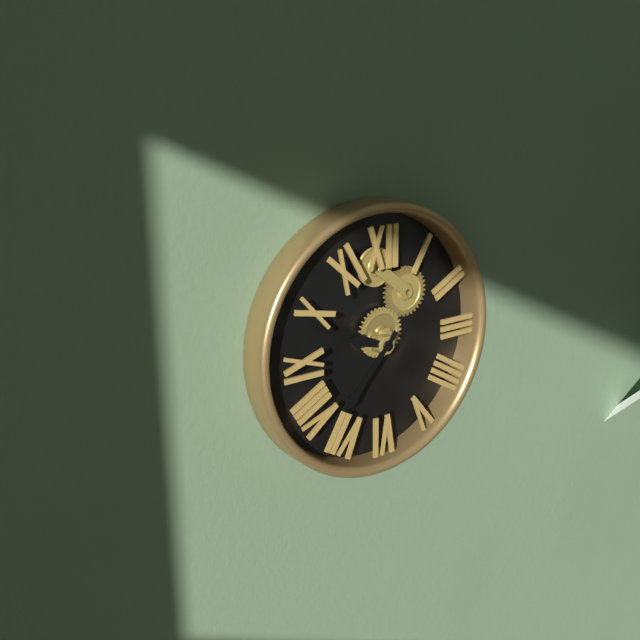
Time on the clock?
9:37
